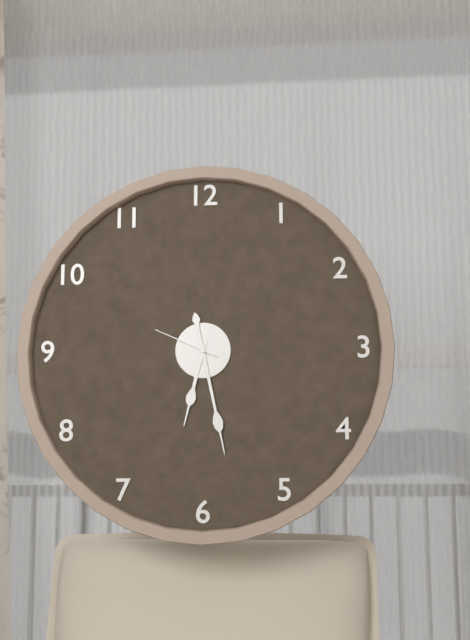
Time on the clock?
6:28:49
